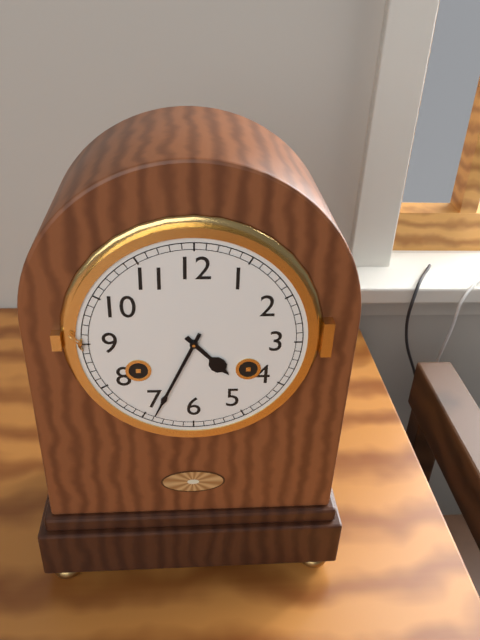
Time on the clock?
4:34
